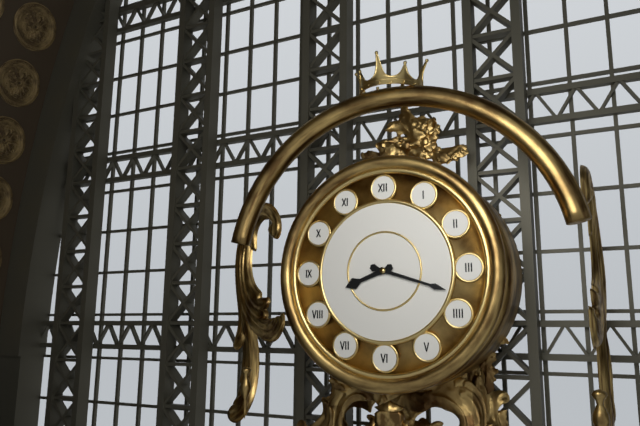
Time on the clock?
8:18
